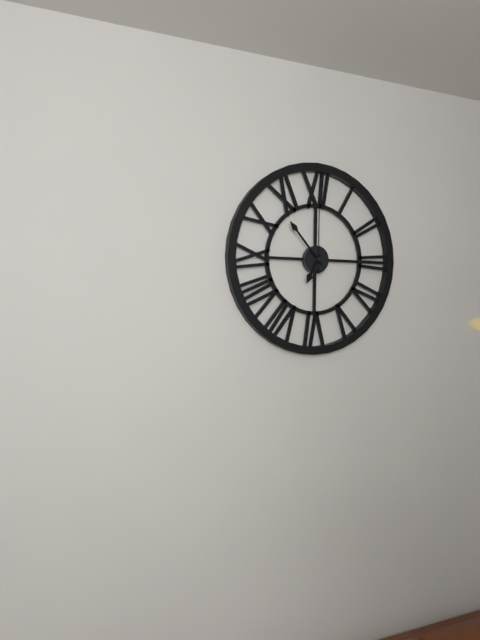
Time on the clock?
6:53:00
